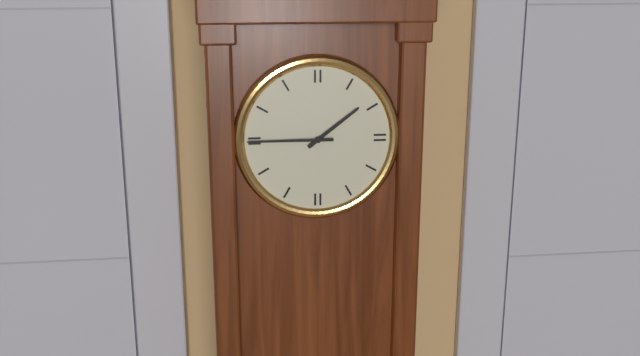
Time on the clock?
1:45
